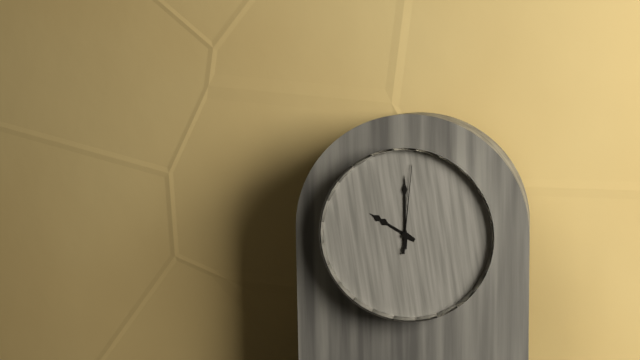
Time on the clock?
10:00:01
